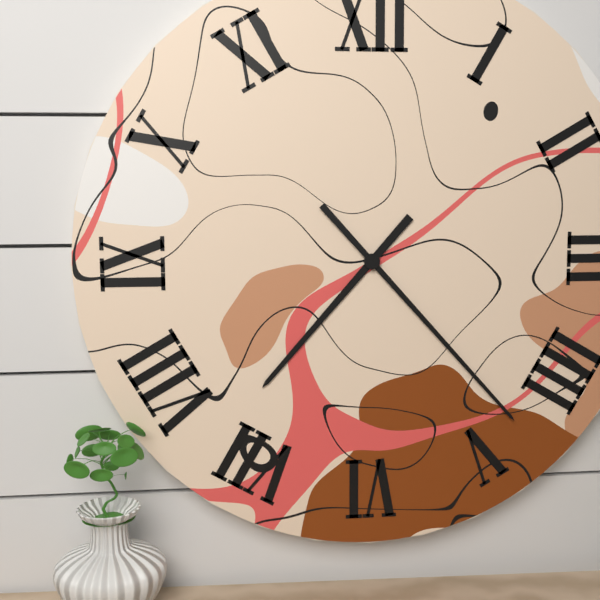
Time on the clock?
7:23
